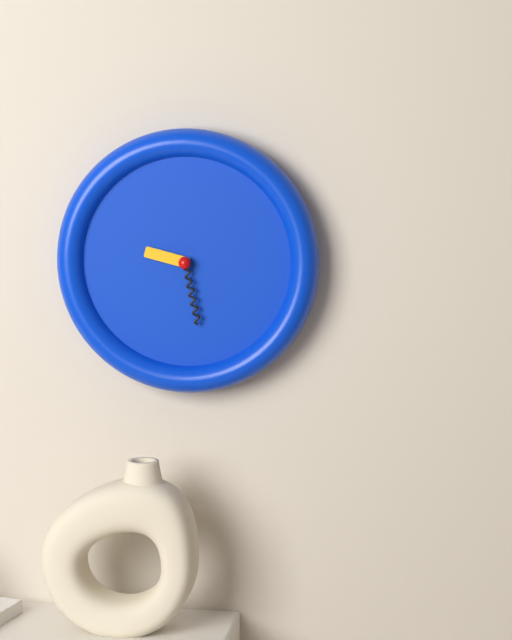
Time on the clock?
9:28
